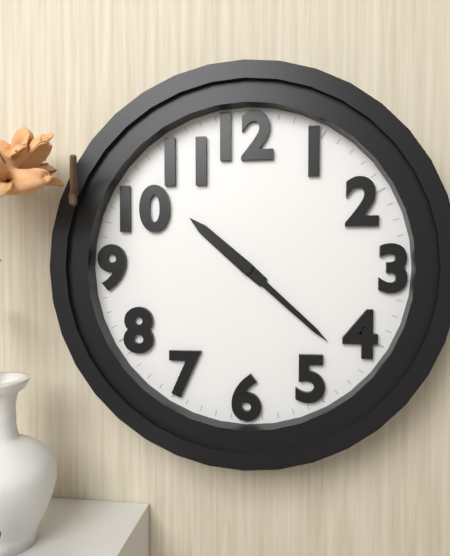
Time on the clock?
10:22
